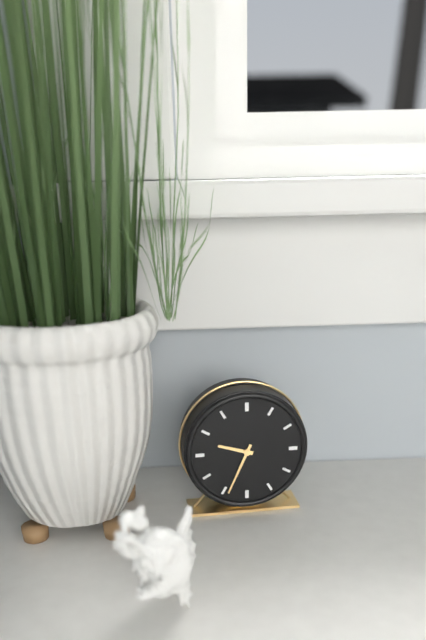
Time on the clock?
9:34
